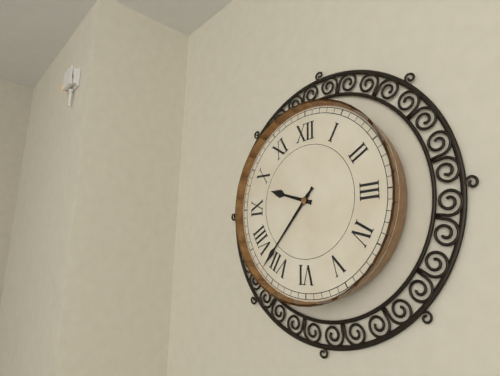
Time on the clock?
9:37
